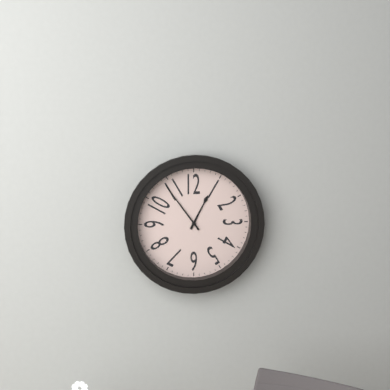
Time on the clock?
12:54
